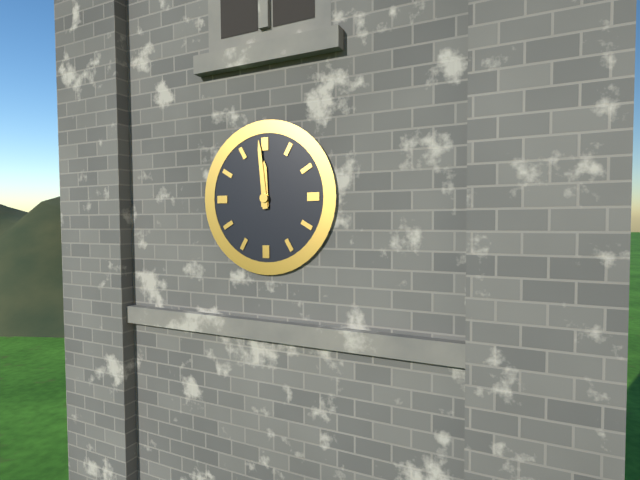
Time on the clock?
11:59
